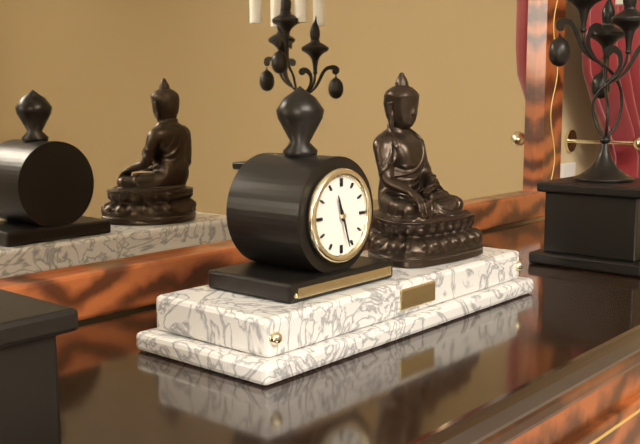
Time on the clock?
11:27
